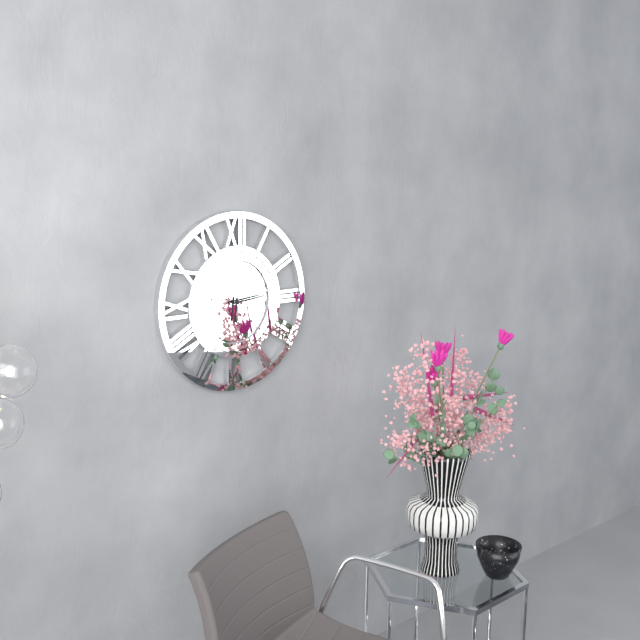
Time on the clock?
6:14
